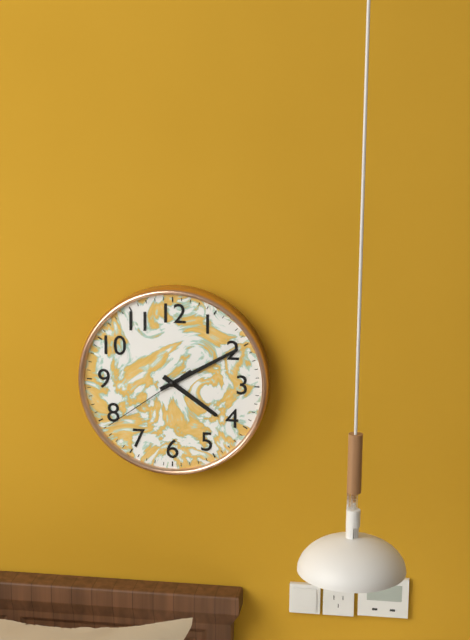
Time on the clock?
4:10:39
